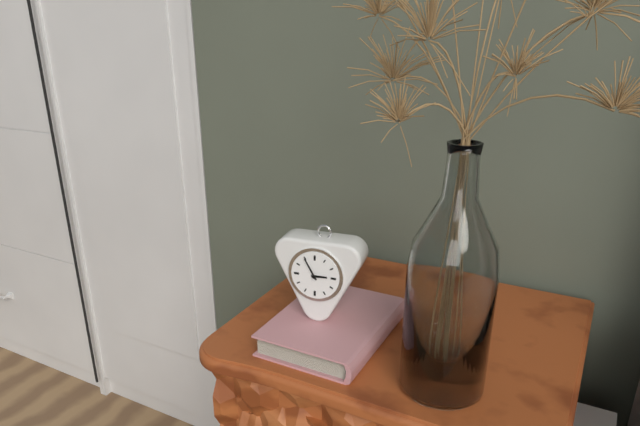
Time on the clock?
2:55
